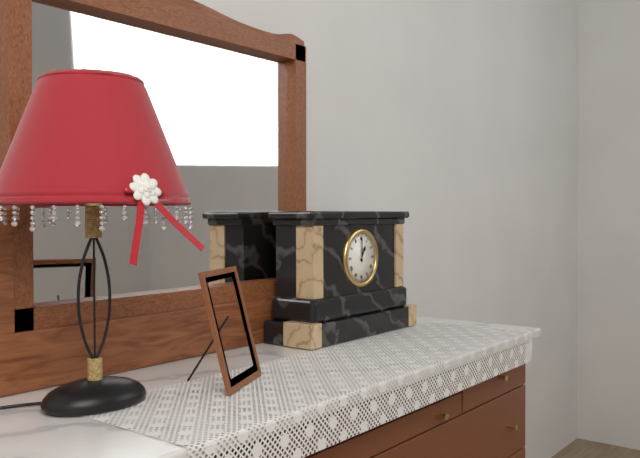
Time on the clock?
1:00
